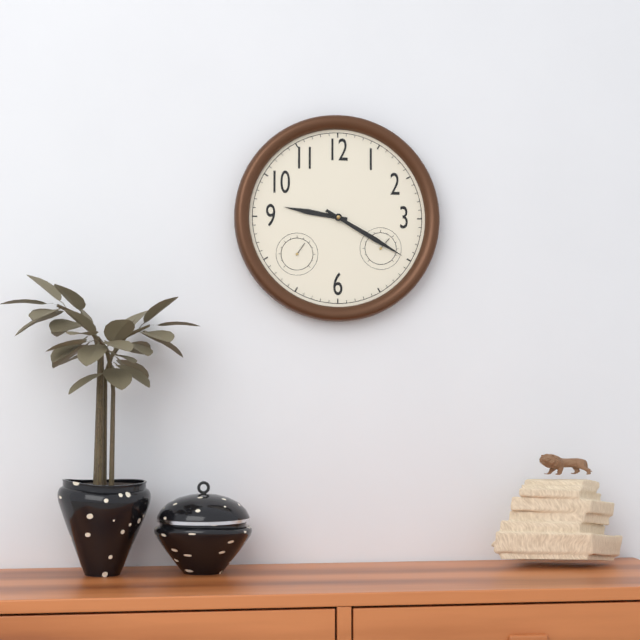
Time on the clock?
9:20
